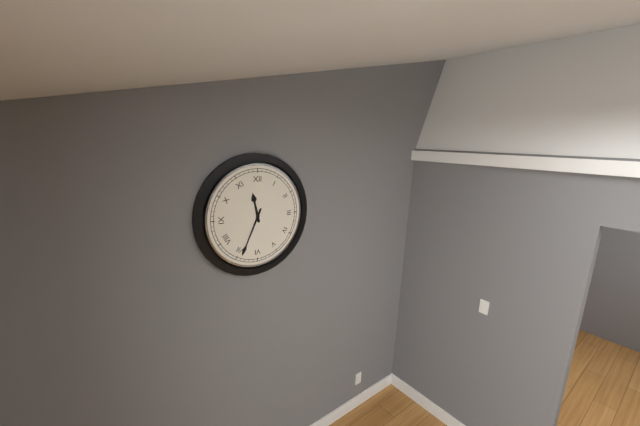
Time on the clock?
11:34
